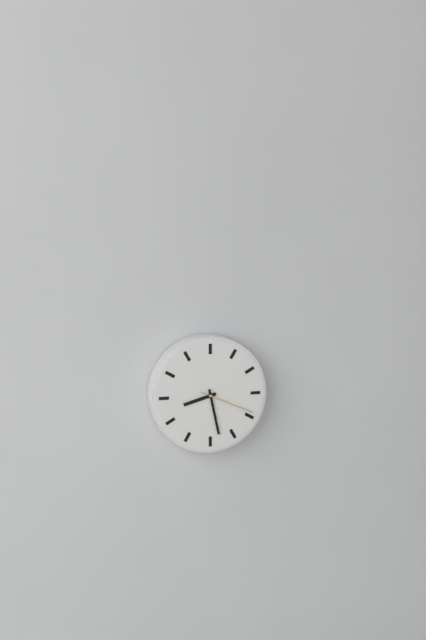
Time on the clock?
8:28:19
